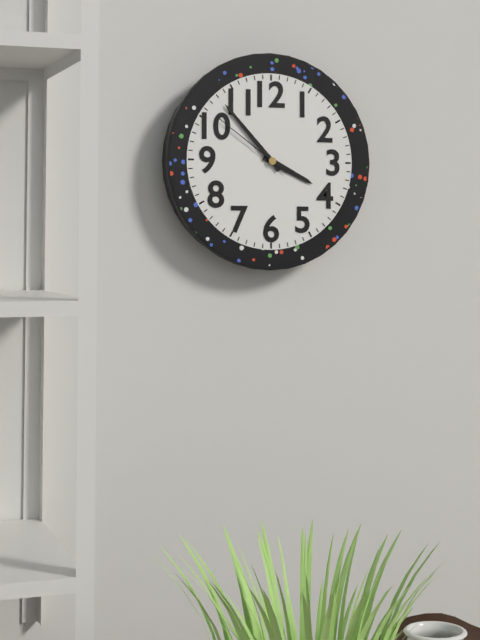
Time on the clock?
3:53:51
